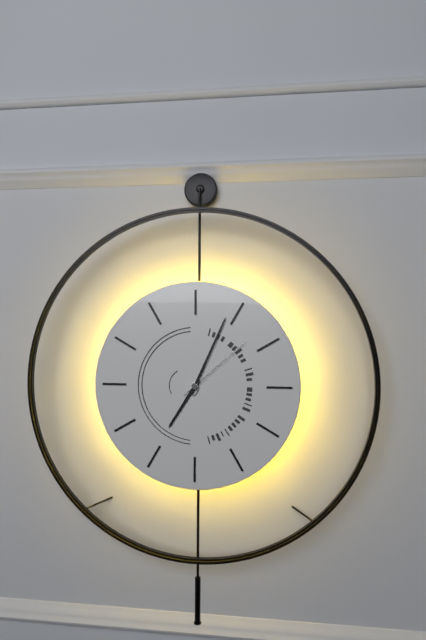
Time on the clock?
7:04:08
